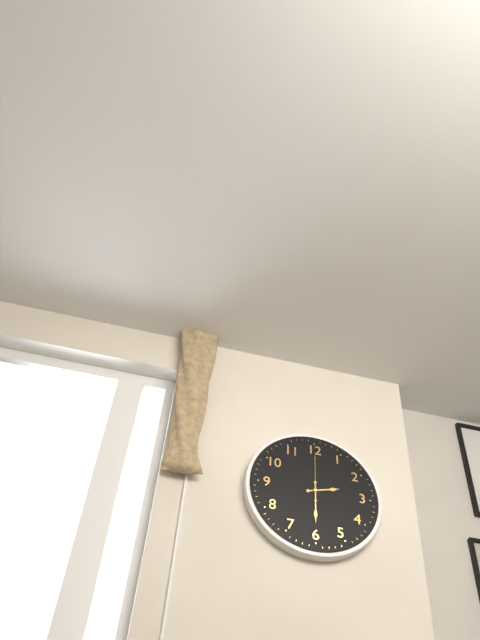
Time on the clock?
2:30
